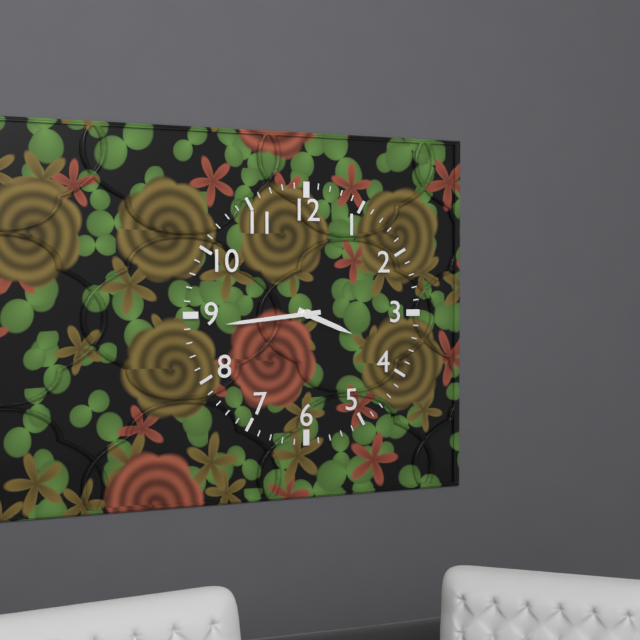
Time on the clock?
3:44
